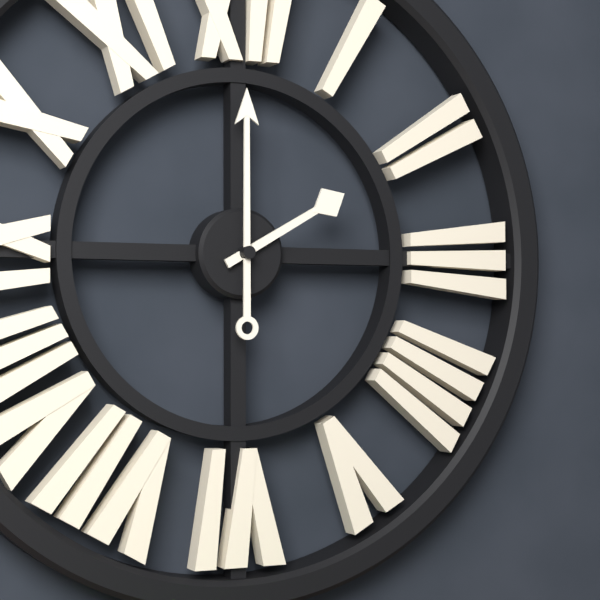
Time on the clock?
2:00
